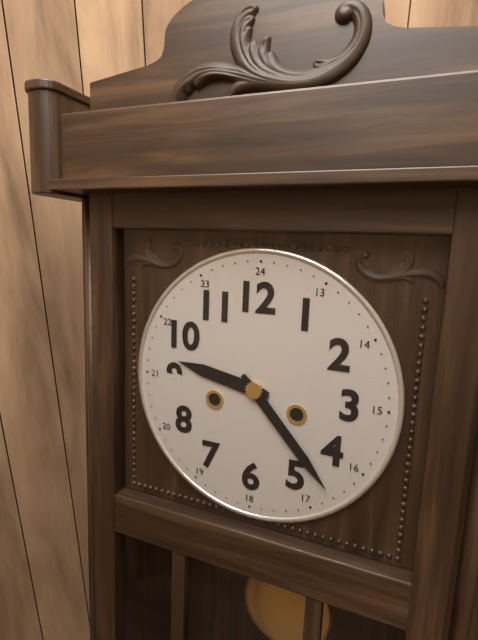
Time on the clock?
9:23
